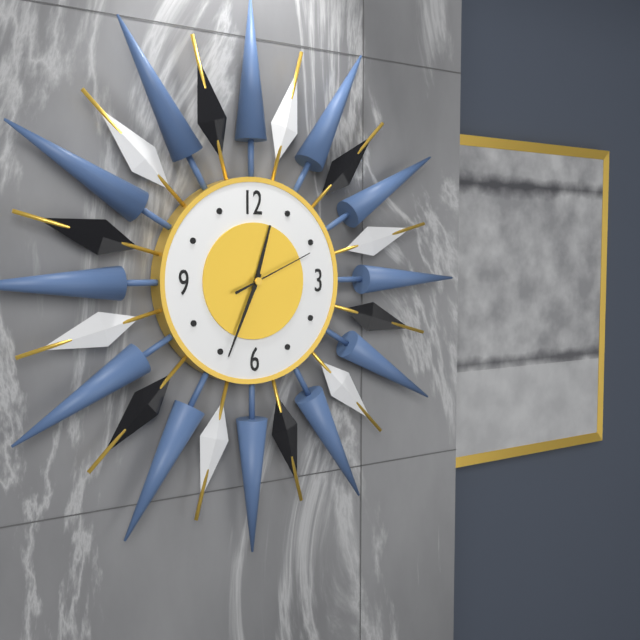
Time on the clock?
12:34:11
